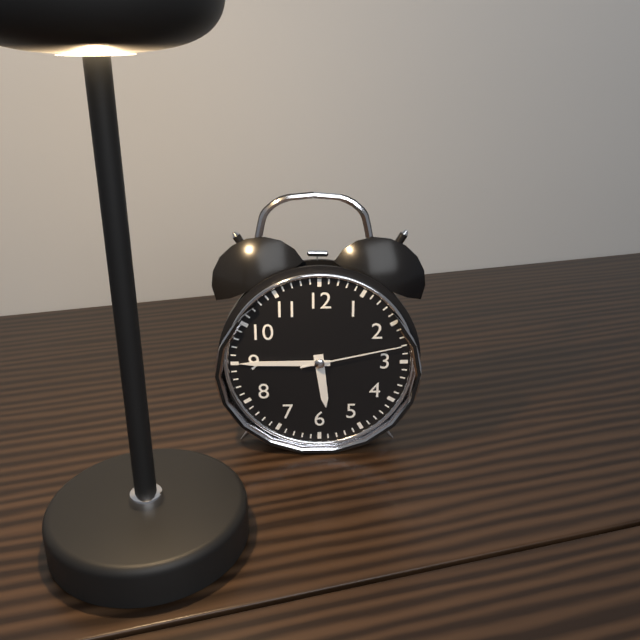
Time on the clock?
5:45:13
